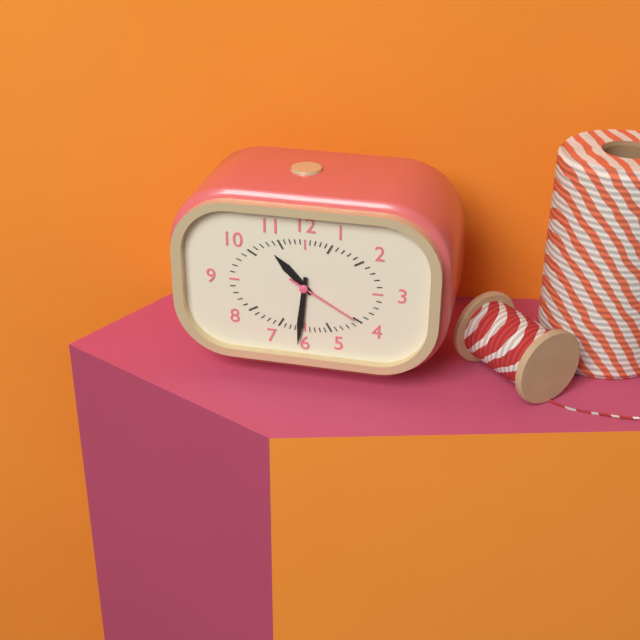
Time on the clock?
10:31:20
